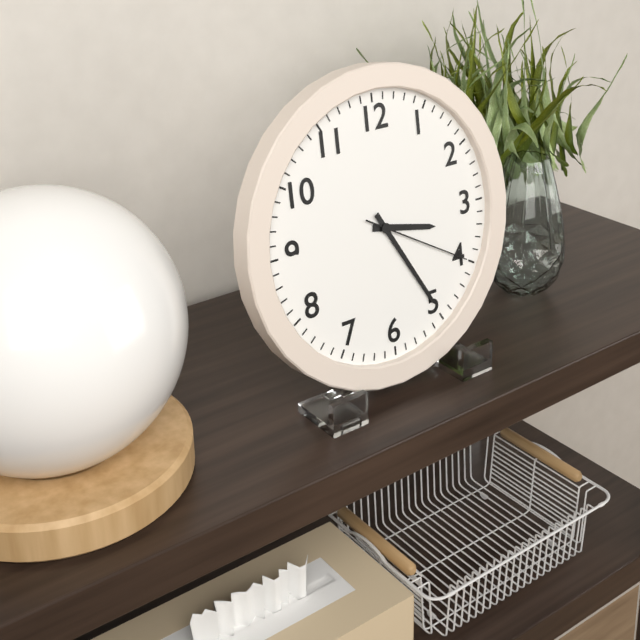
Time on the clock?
3:25:20
